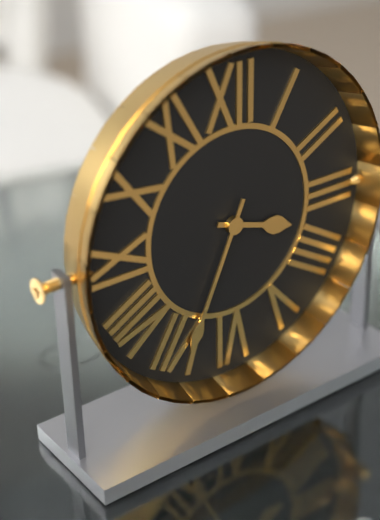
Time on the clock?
3:34
